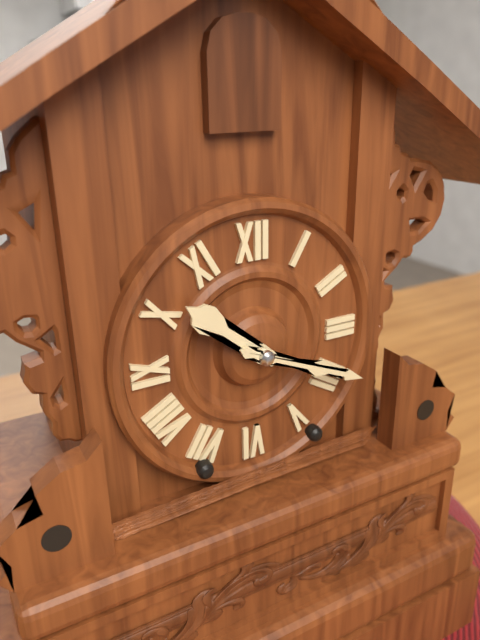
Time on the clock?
10:19
